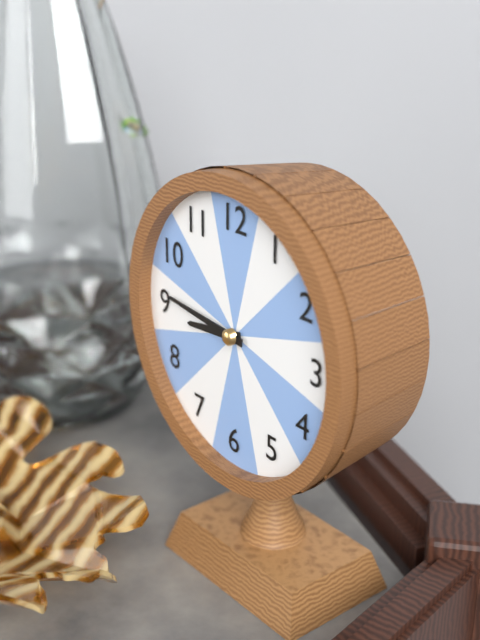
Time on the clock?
8:46
